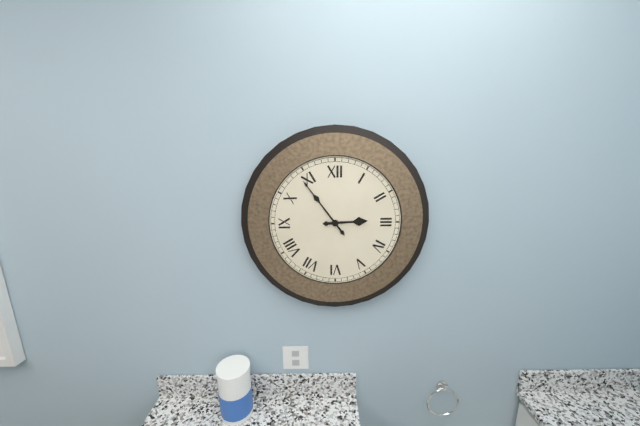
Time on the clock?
2:54
